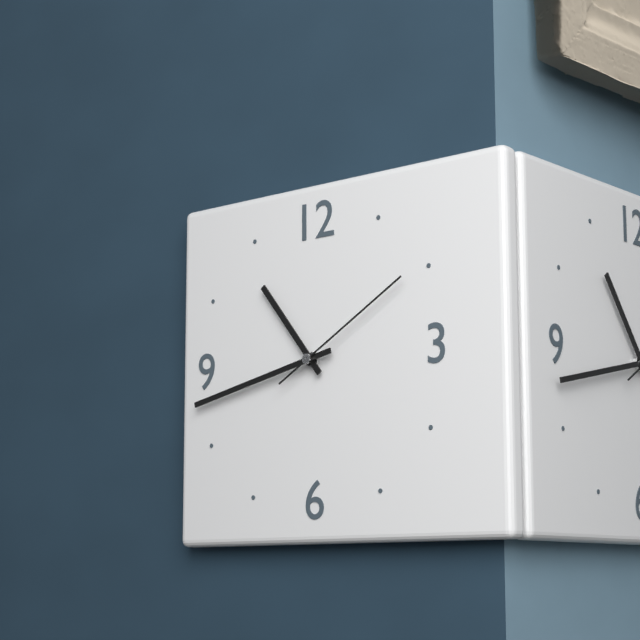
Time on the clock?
10:43:10
